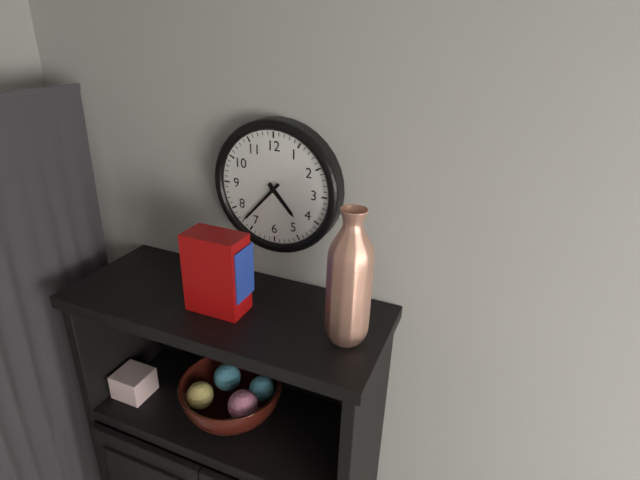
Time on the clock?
4:37
